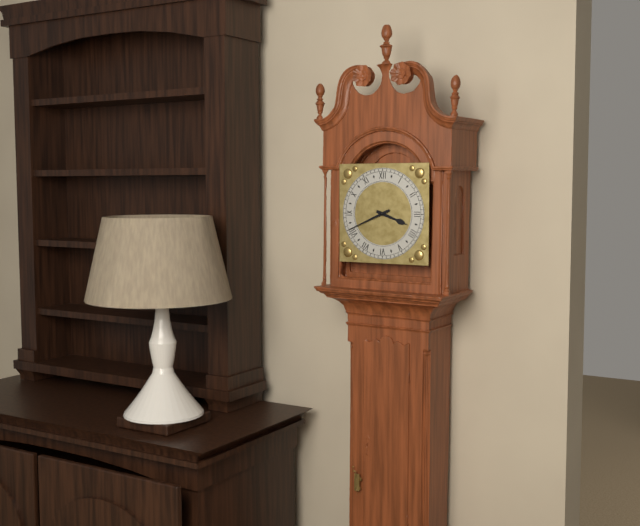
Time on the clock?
3:41
